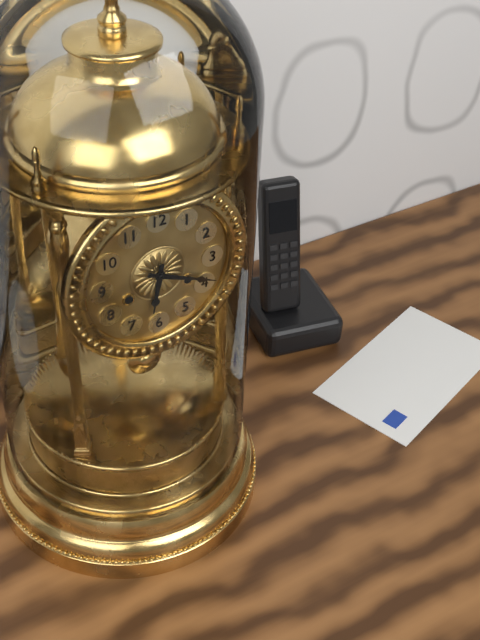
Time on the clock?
6:19
